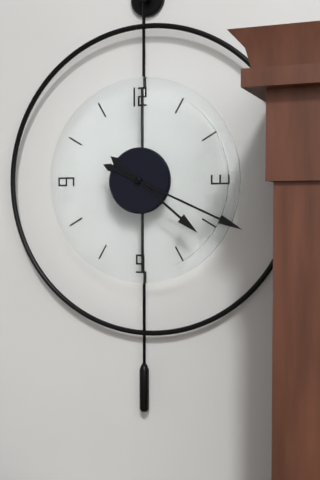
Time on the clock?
4:19
